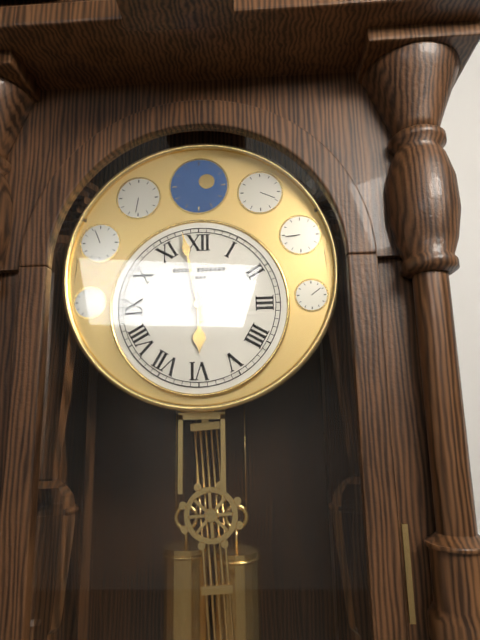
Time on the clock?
5:58
